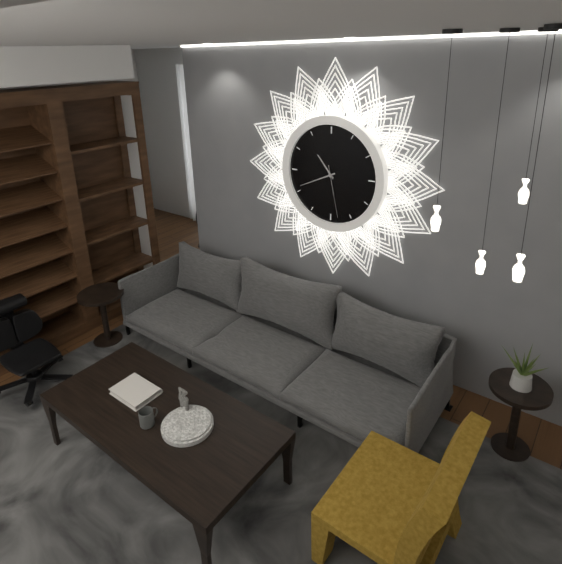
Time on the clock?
10:41:28
